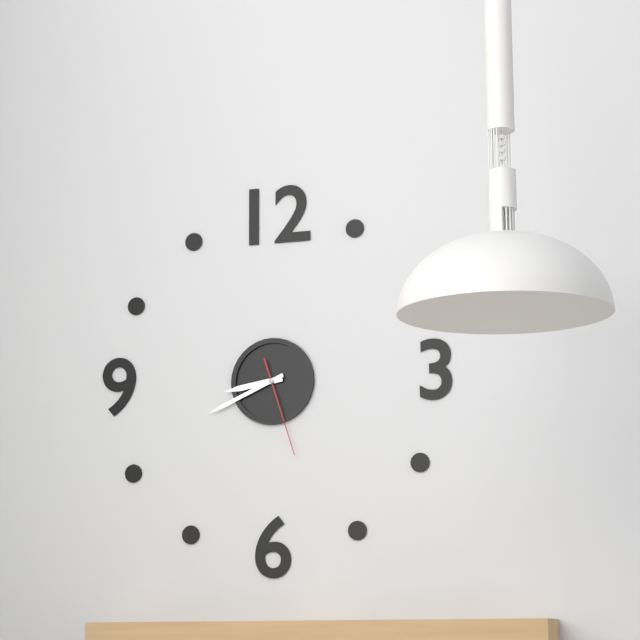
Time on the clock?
8:41:27
